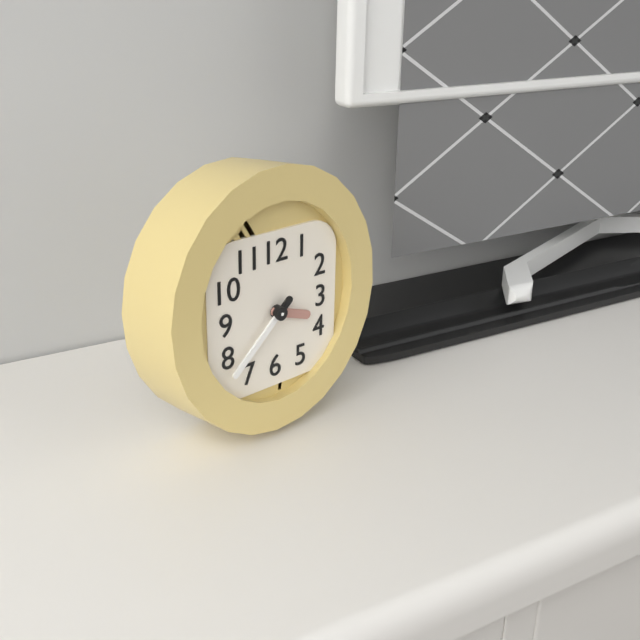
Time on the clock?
3:38
